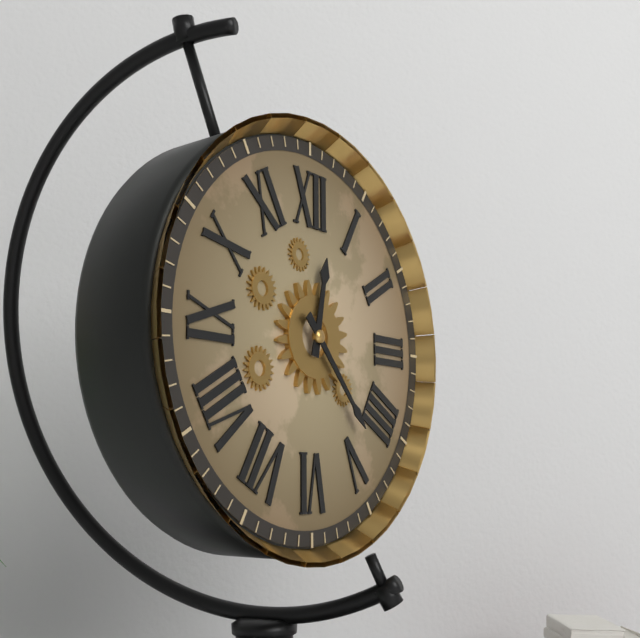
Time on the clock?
12:23
